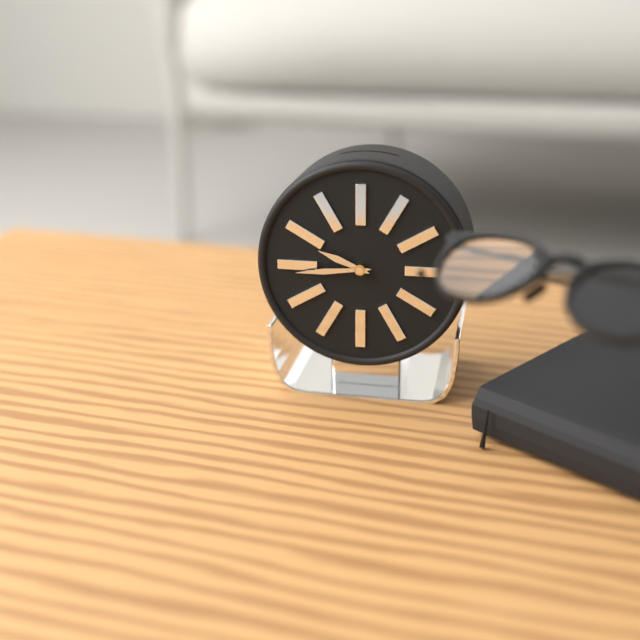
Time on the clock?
9:44
